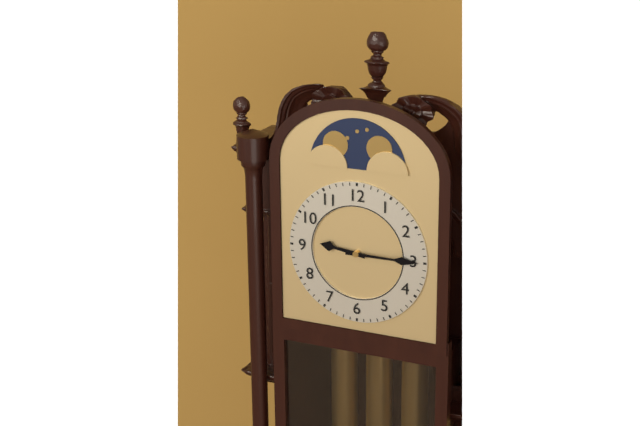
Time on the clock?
9:15
